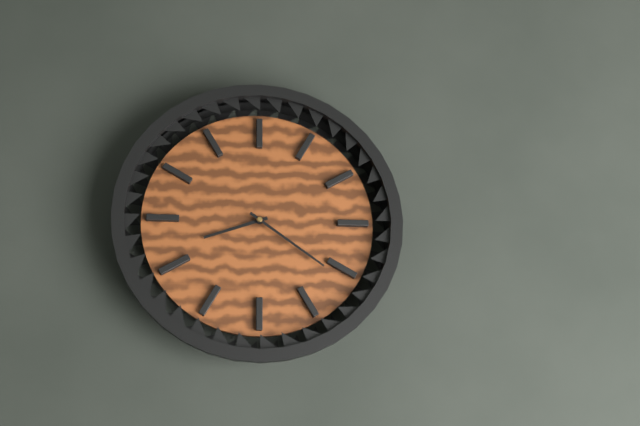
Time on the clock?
8:21
